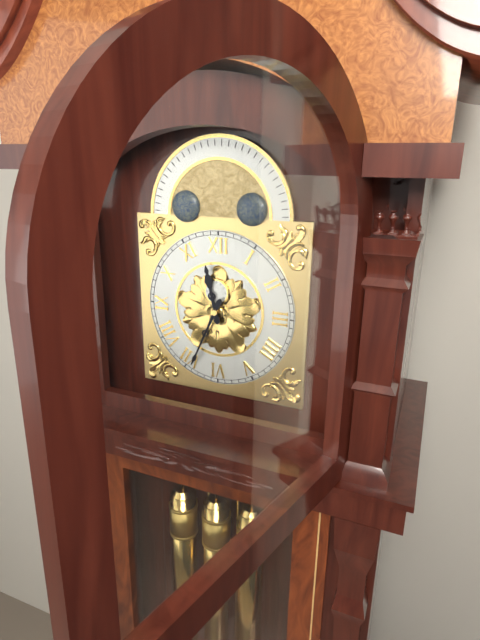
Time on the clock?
11:34
